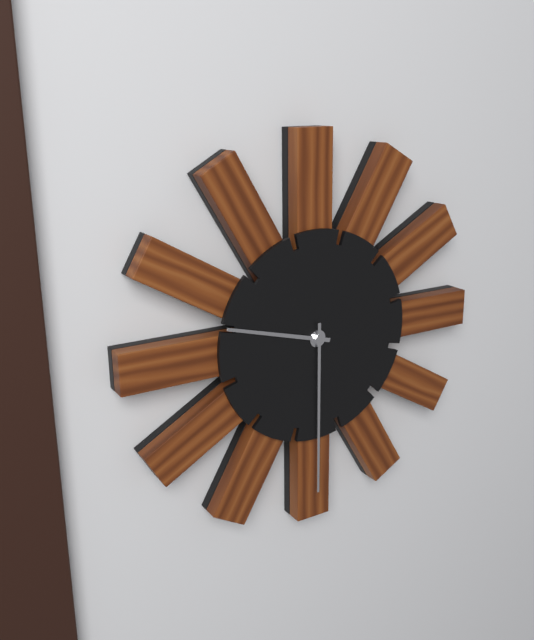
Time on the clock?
9:30
